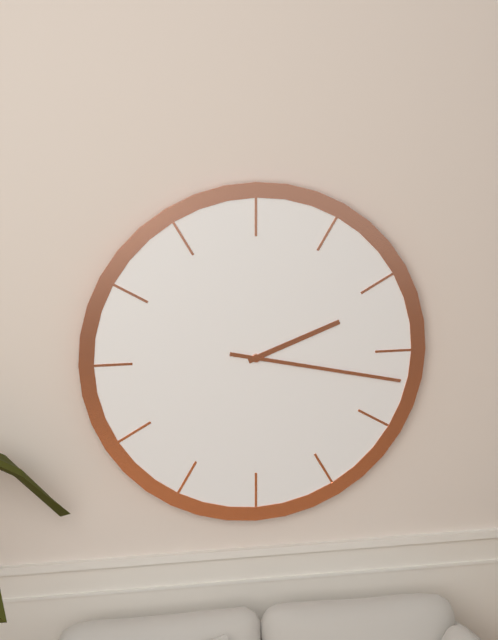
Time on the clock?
2:17
